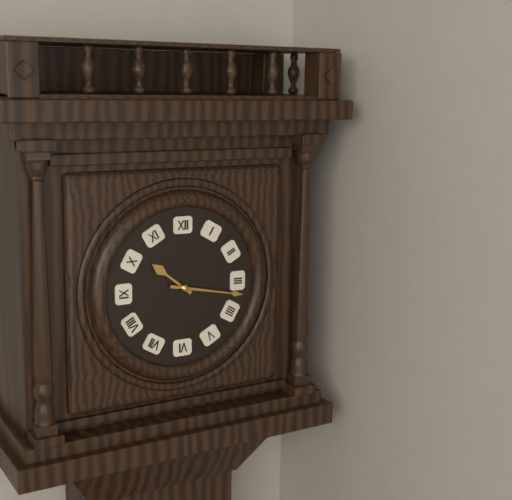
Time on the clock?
10:17
